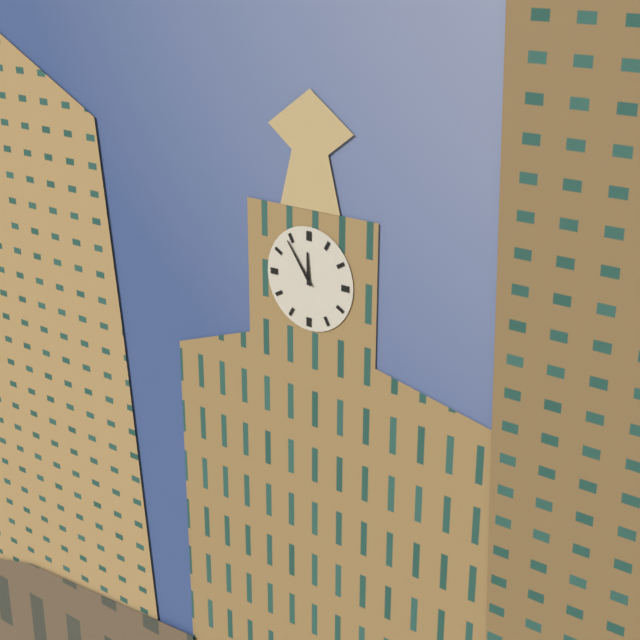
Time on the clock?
11:54
